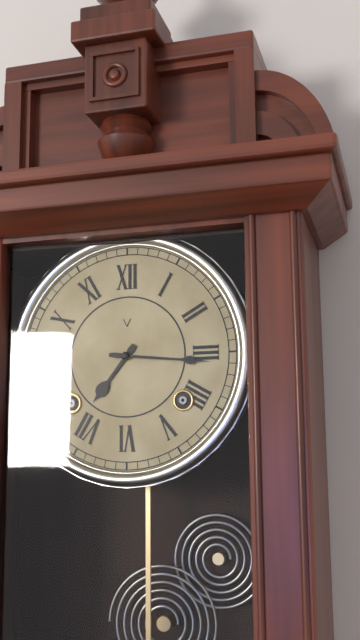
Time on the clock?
7:16
